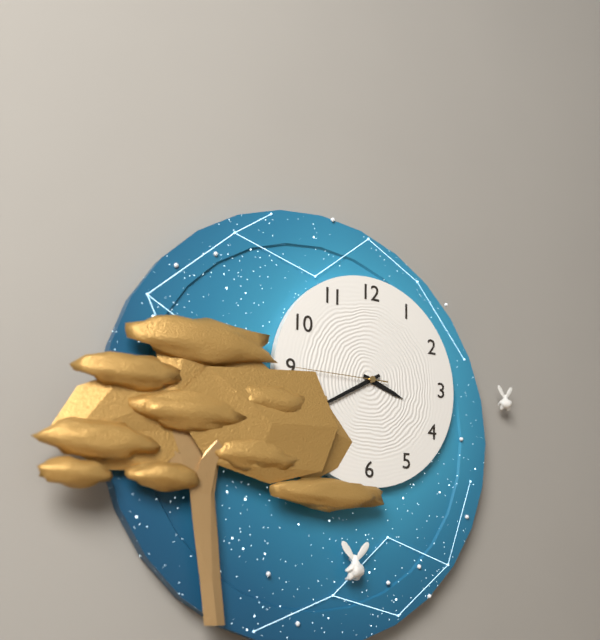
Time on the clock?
3:40:45
